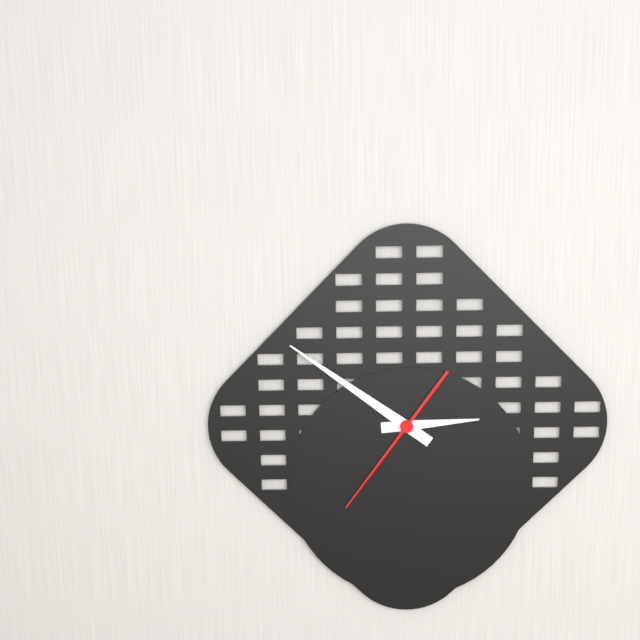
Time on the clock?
2:51:36
